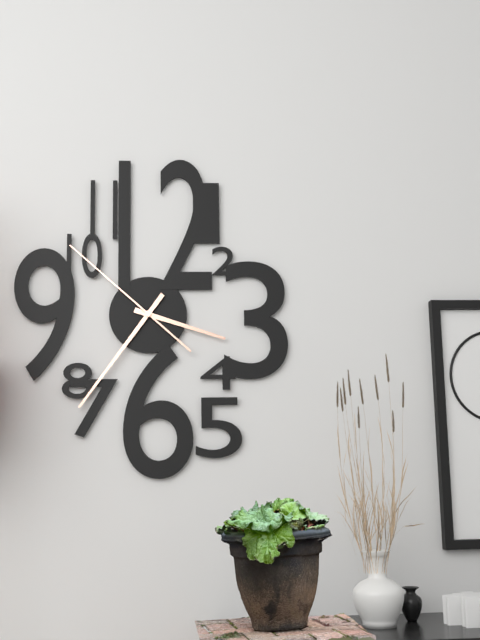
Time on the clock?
3:36:52
